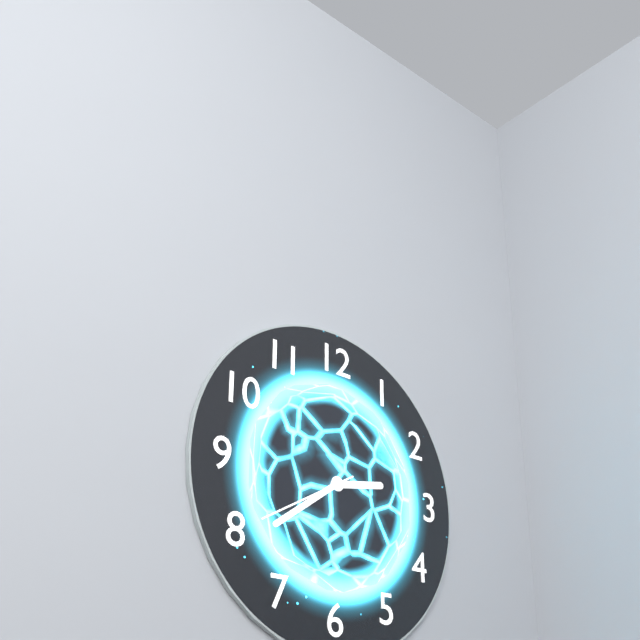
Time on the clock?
2:39:40
